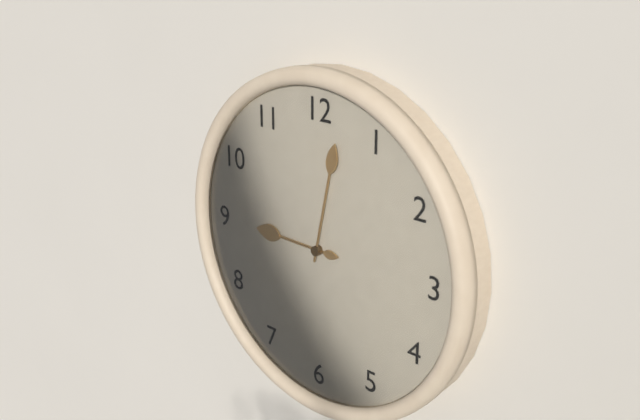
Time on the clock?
9:02
